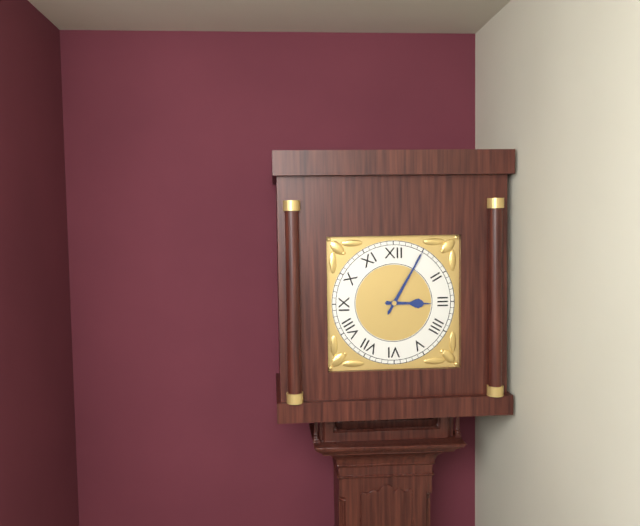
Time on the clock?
3:05
